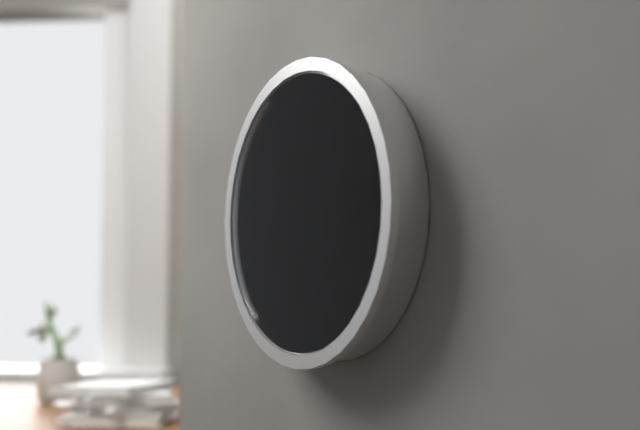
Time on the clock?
12:47
